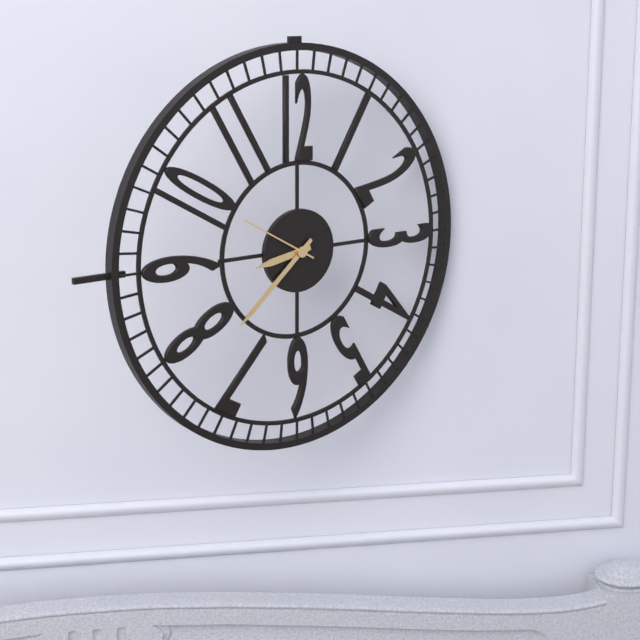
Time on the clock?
8:38:50
